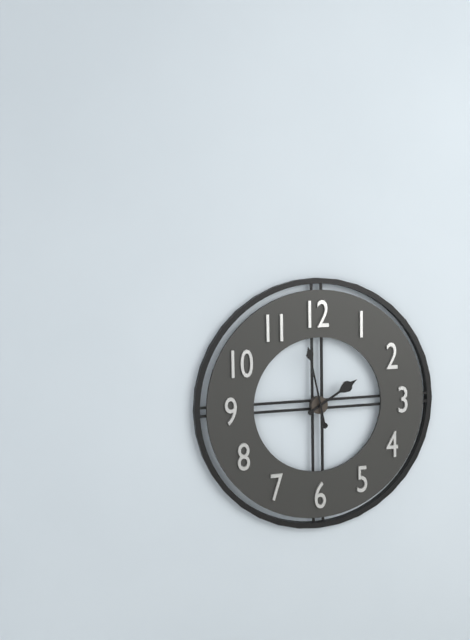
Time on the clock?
1:58
